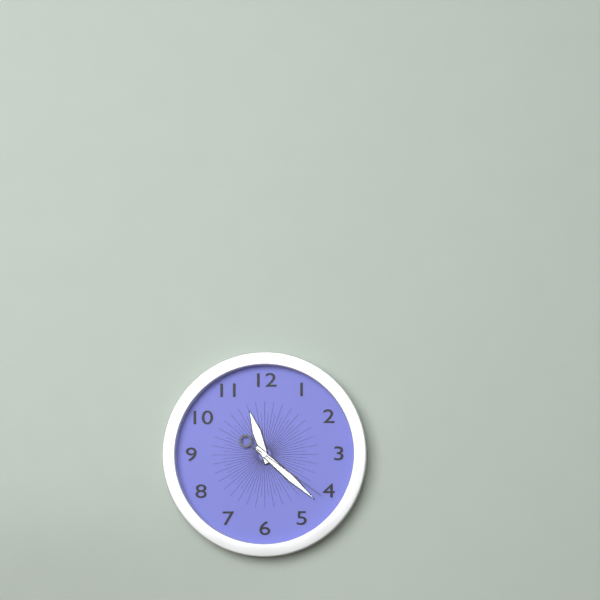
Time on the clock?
11:22:21
